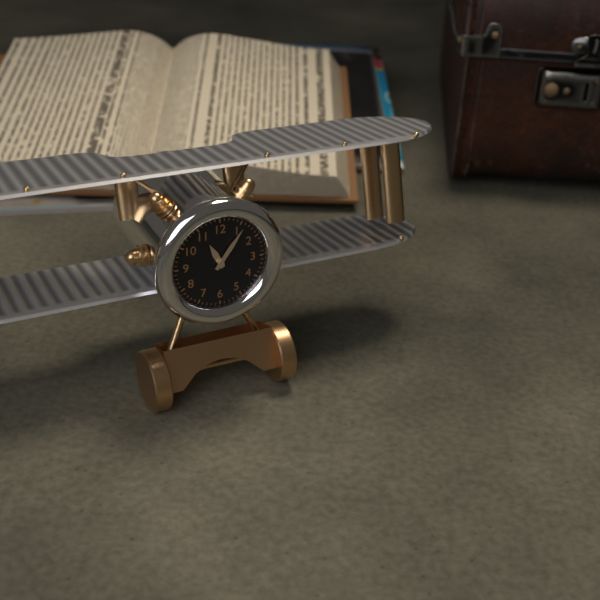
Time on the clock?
11:06
